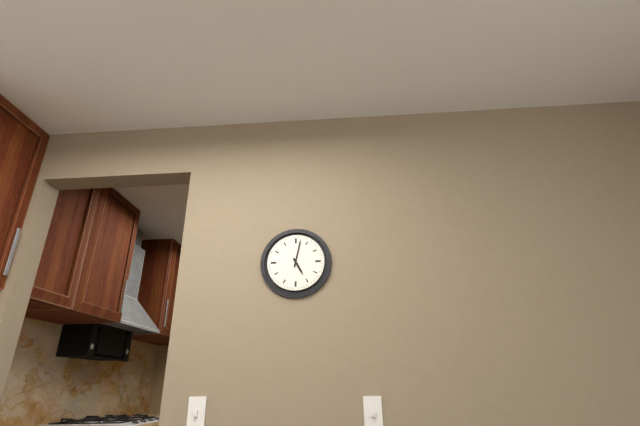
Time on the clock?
5:02
